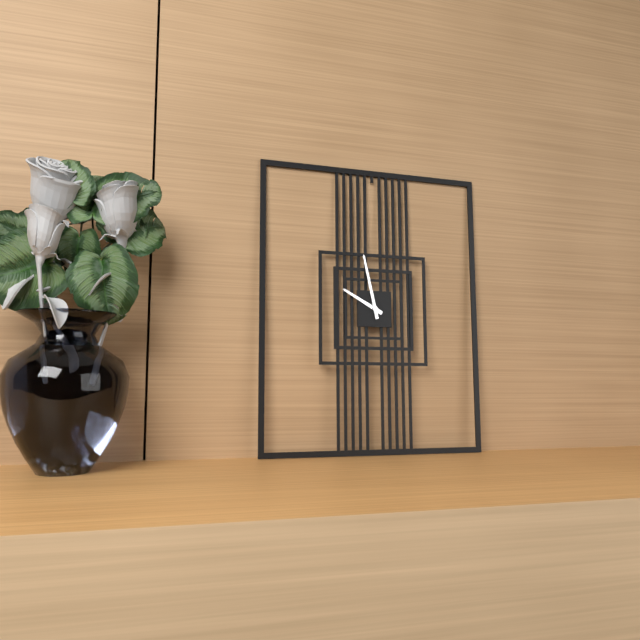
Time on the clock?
9:58
